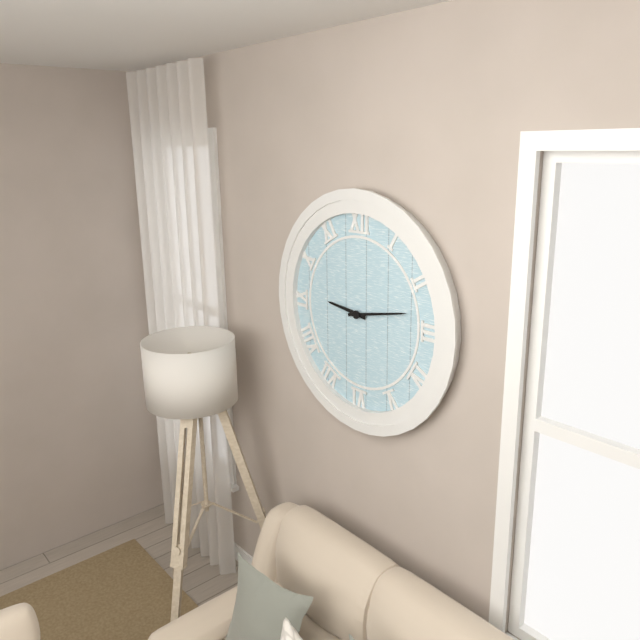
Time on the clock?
9:13
